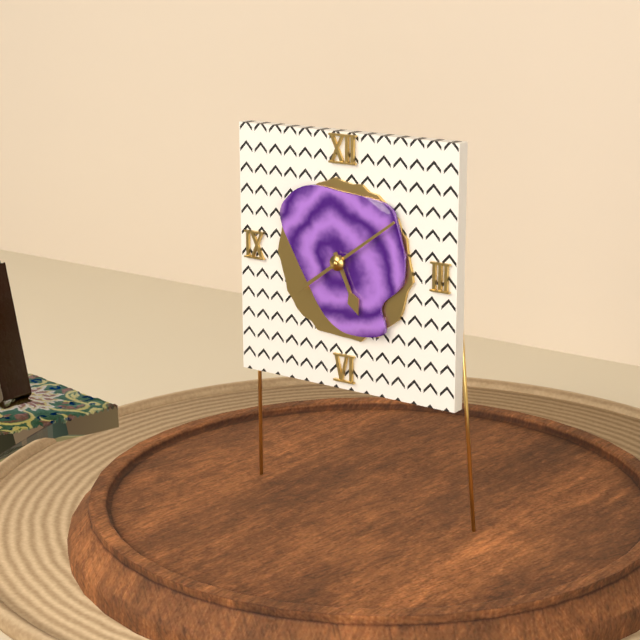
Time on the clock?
5:09
